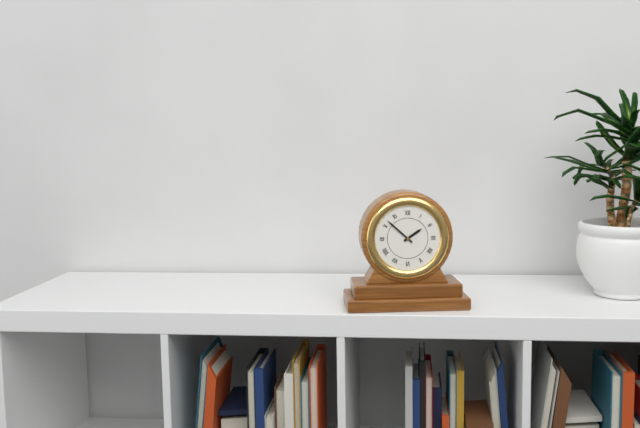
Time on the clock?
1:52
